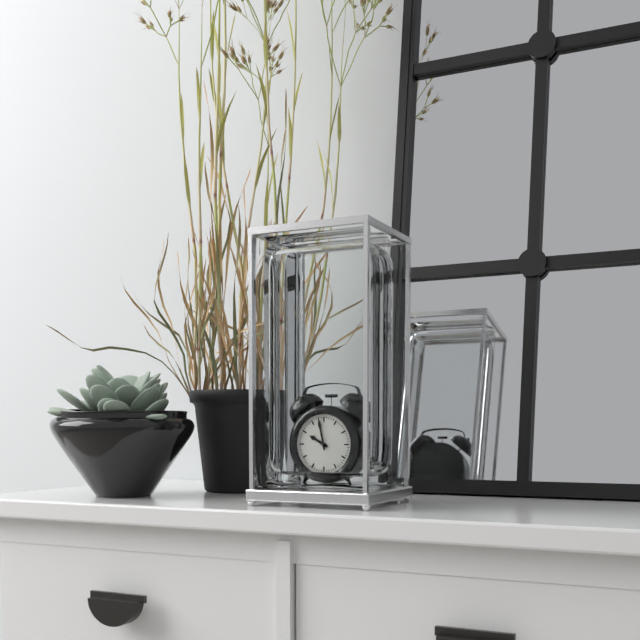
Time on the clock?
9:58
